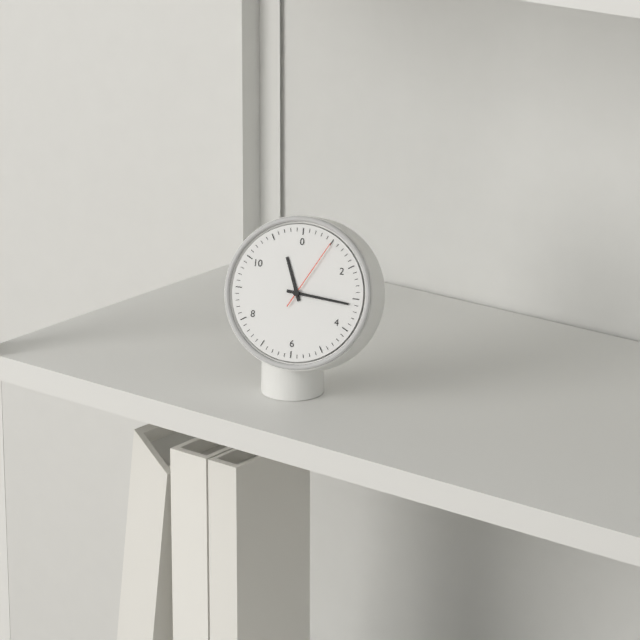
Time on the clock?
11:16:05
